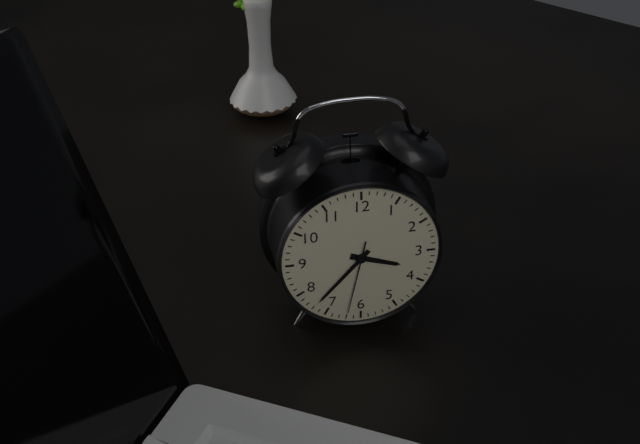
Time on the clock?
3:37:32
